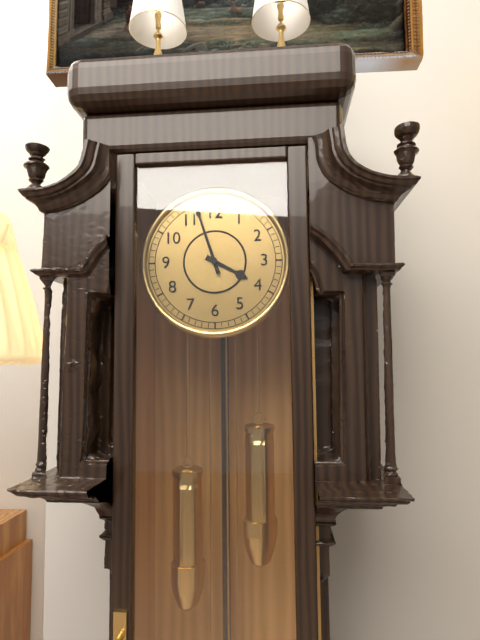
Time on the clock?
3:57
